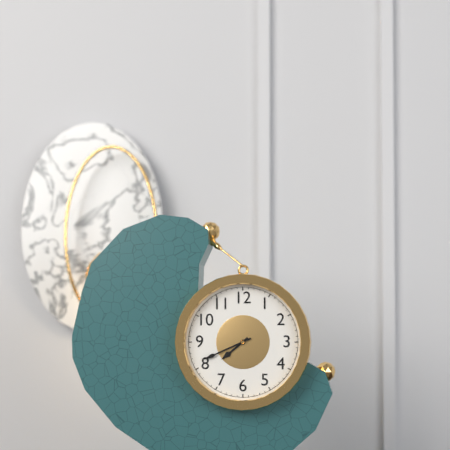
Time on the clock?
7:41
